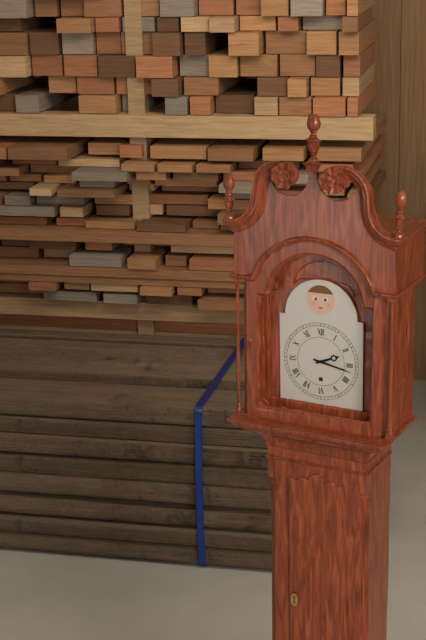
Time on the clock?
2:17
